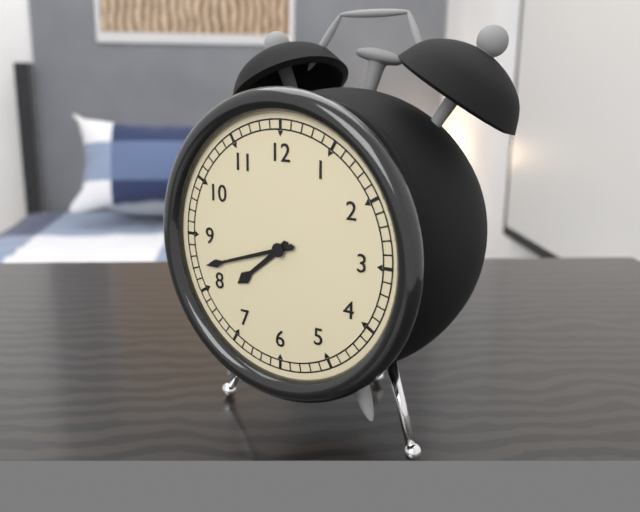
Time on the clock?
7:42
